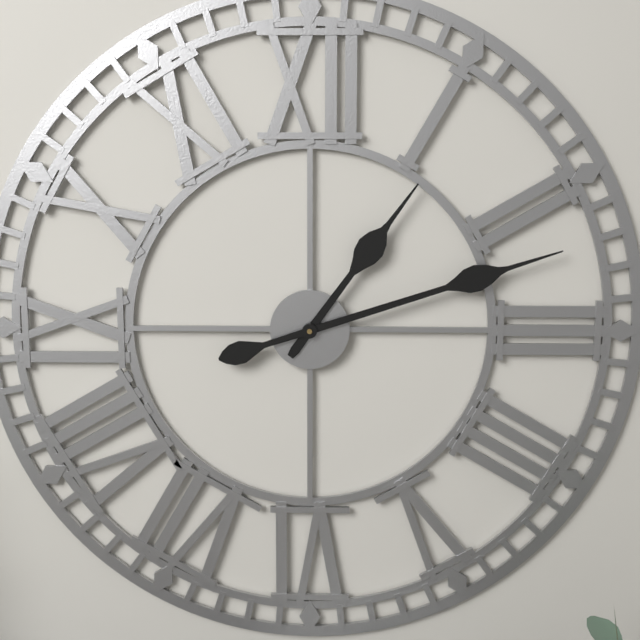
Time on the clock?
1:12
